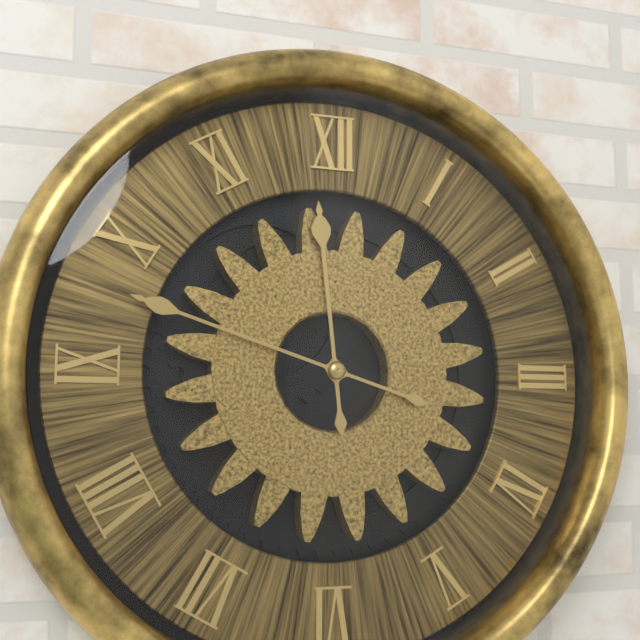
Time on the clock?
11:48
